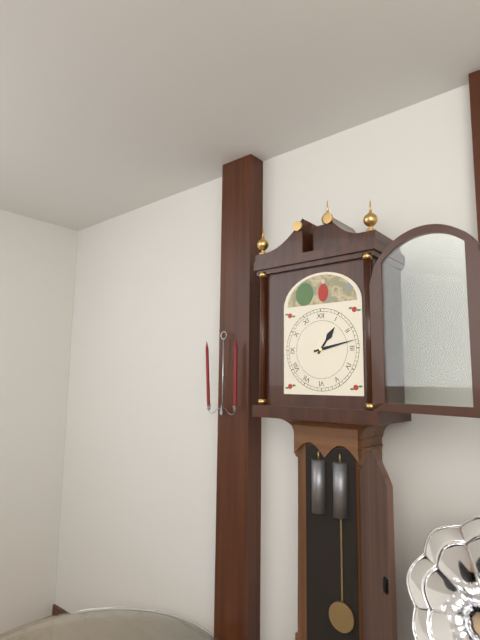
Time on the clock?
1:13
